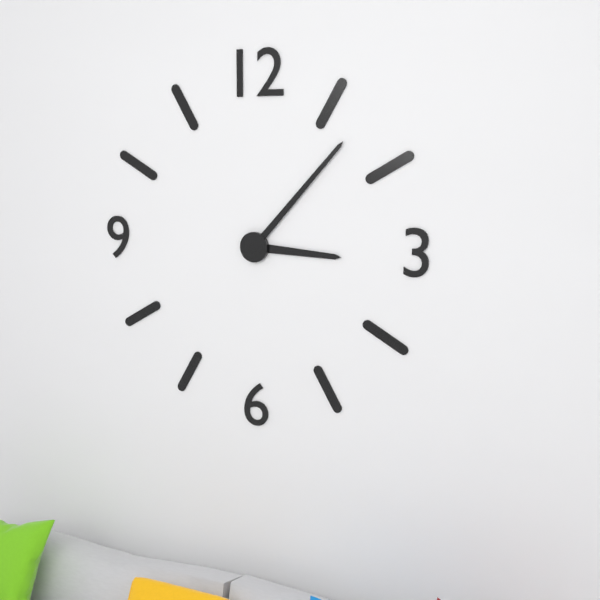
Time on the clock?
3:07
